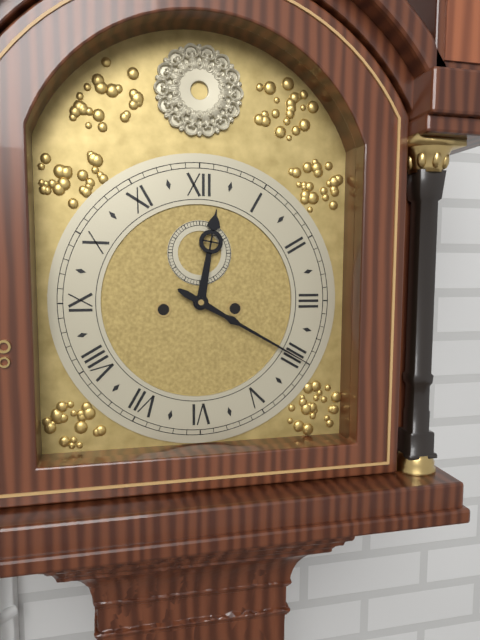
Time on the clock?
12:20
